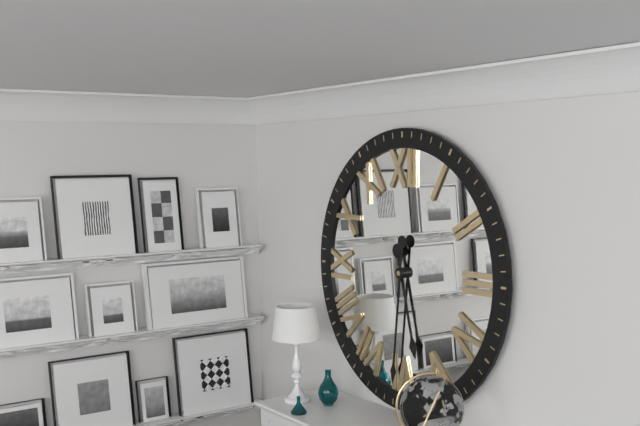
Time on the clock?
5:31
